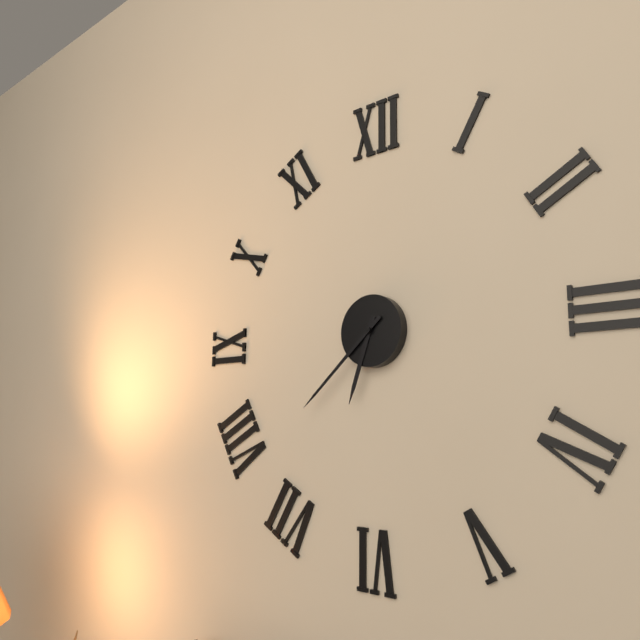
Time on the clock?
6:38
